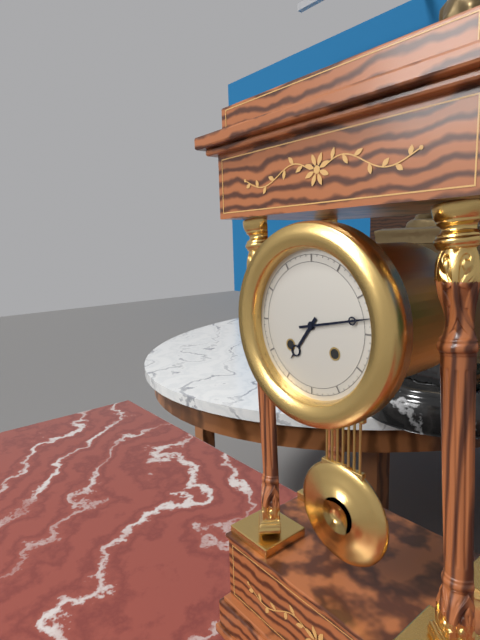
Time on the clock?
7:13
